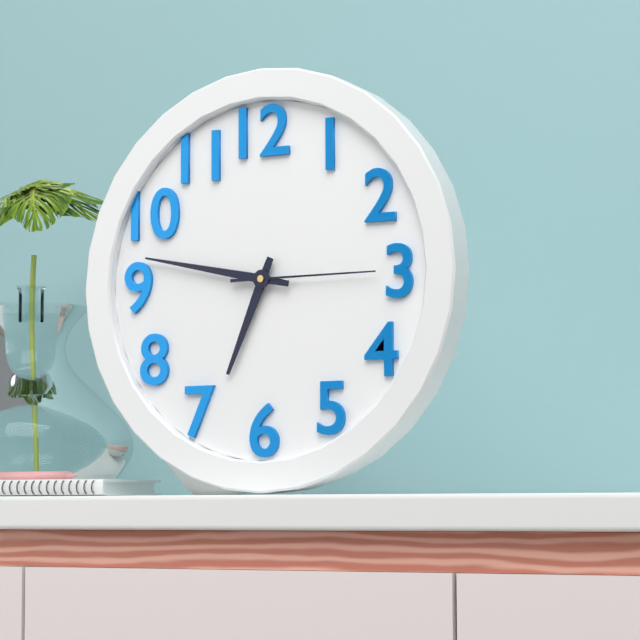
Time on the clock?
6:47:15
